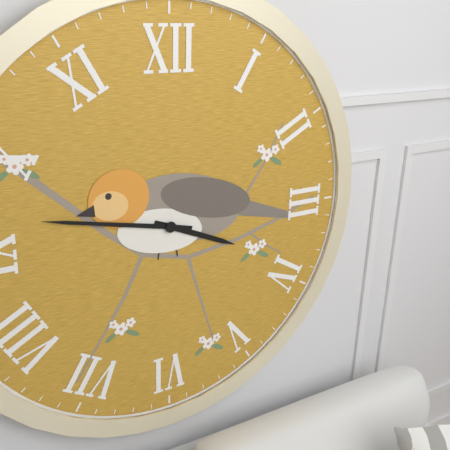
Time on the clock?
3:47
